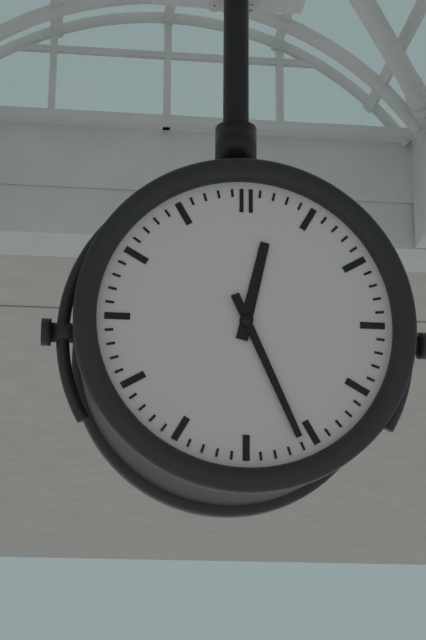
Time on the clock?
12:26
